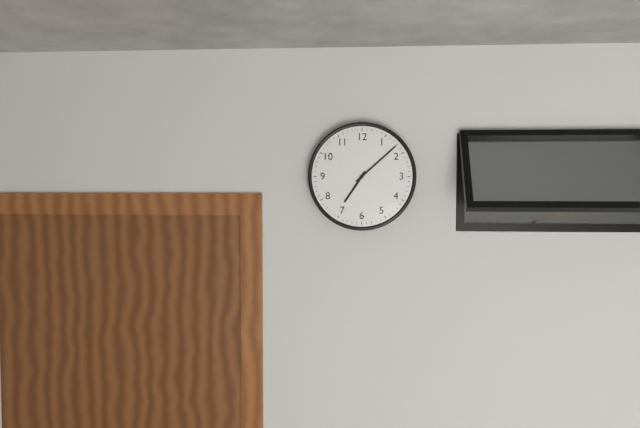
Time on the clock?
7:08
